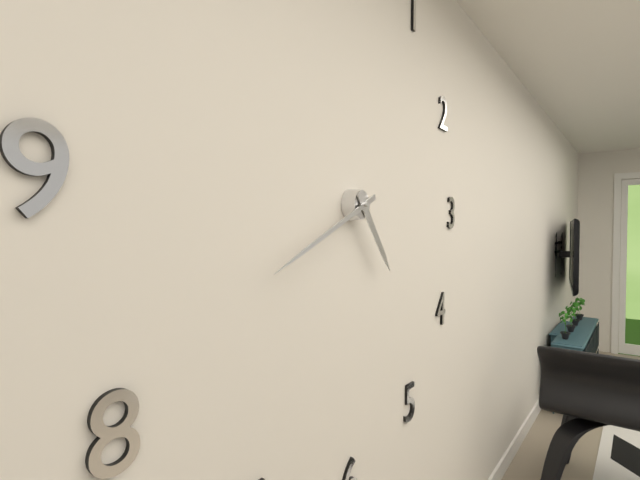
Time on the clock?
4:41
